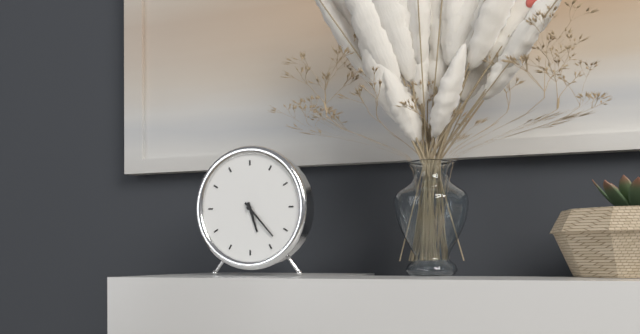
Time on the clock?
5:23
